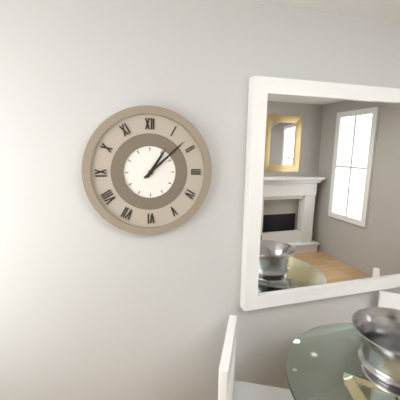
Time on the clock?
1:08
